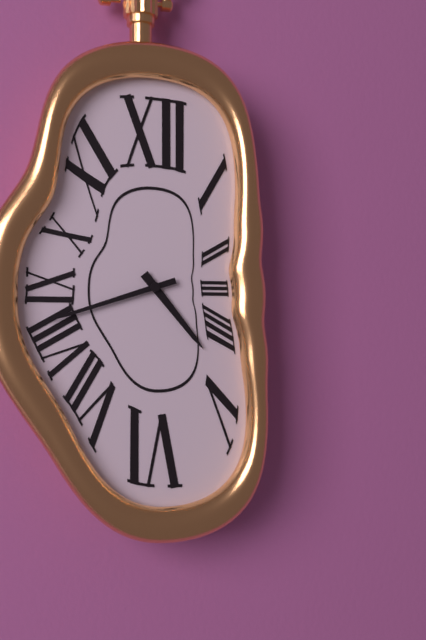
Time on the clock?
4:42
